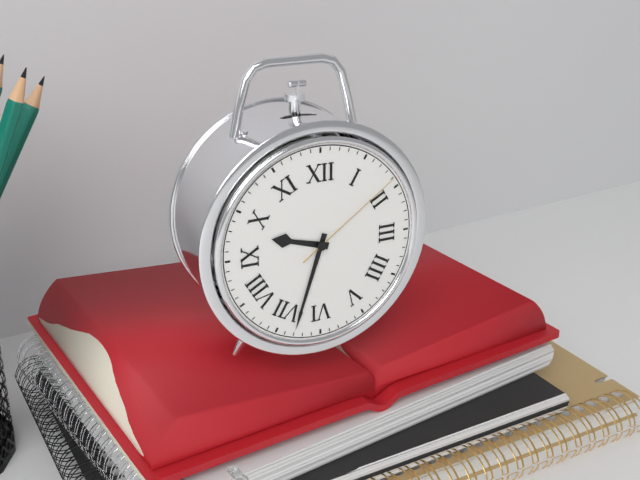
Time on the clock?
9:33:09
